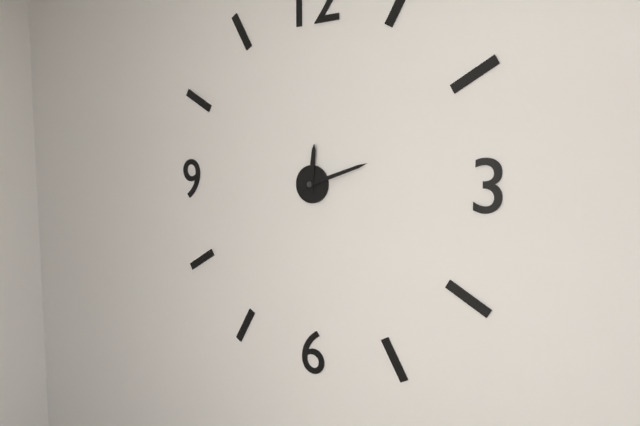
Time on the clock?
12:12
